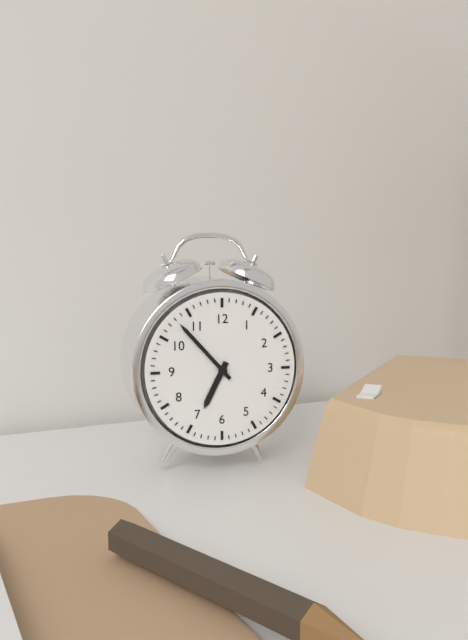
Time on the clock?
6:53
